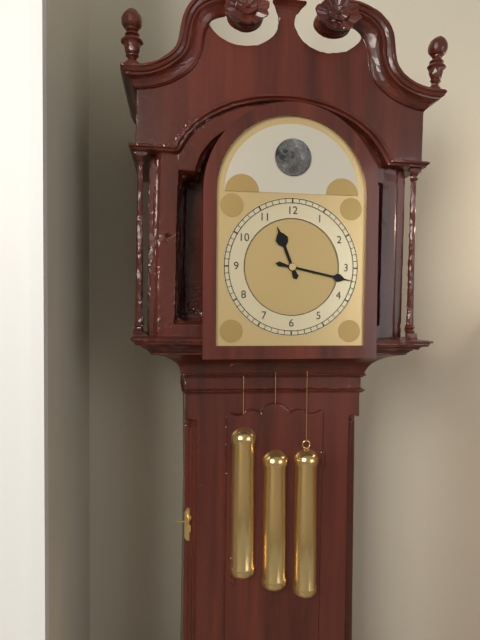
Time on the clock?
11:17
